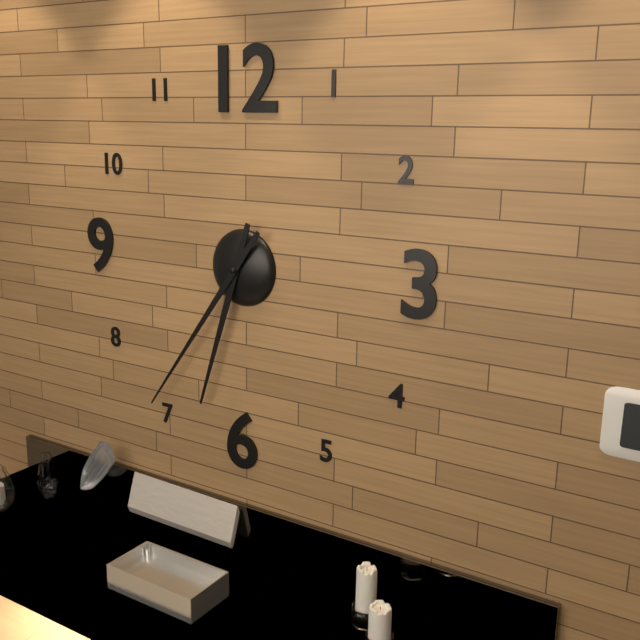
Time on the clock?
6:36
